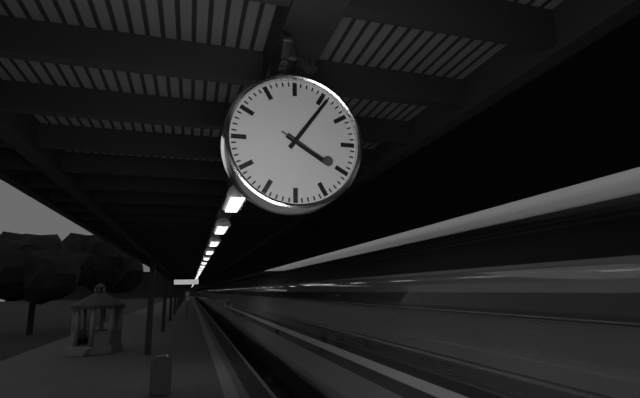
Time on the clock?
4:06:20
